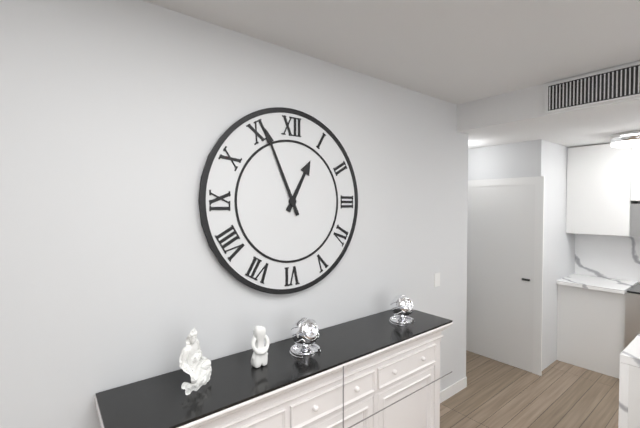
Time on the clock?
12:56
